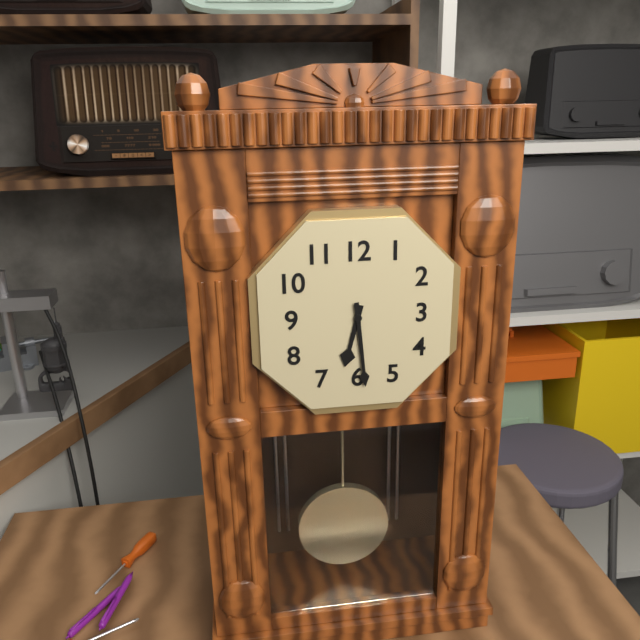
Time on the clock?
6:29
